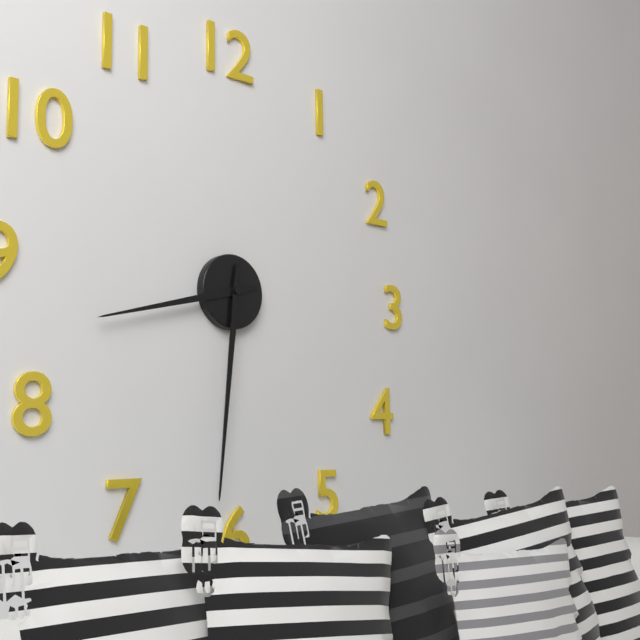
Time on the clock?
8:31
